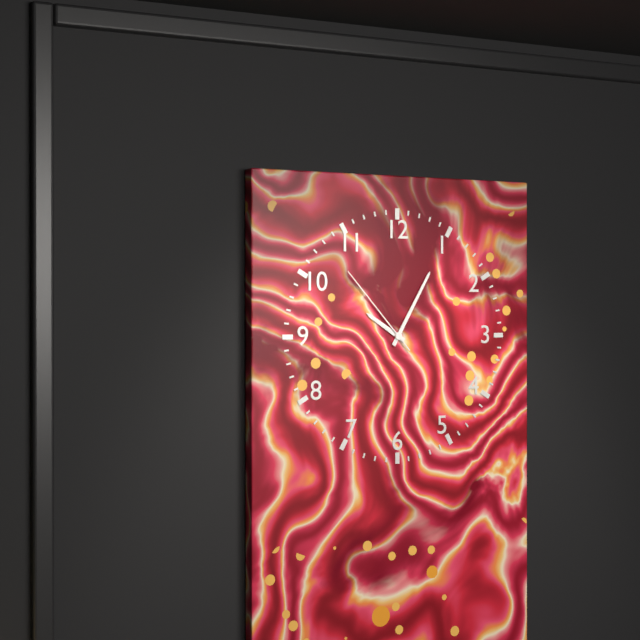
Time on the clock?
10:05:53
